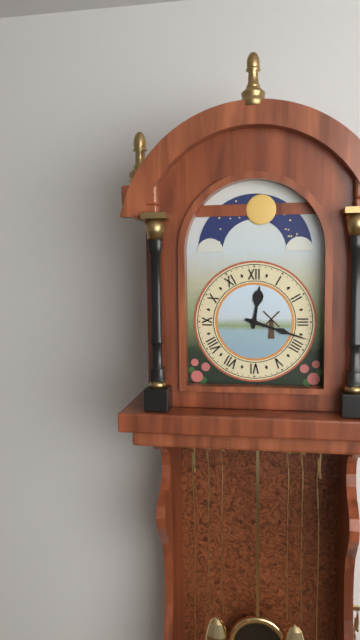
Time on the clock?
12:18
